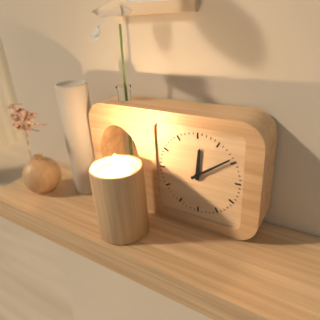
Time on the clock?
12:09
